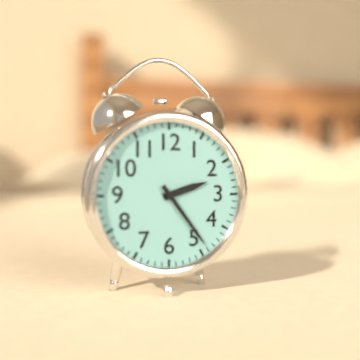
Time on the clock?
2:24
